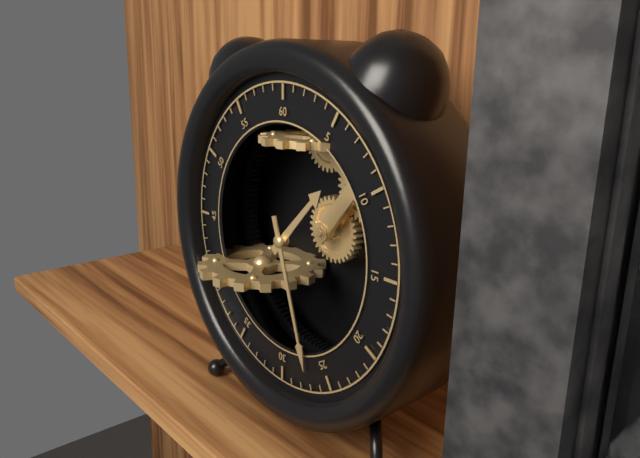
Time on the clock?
1:27
